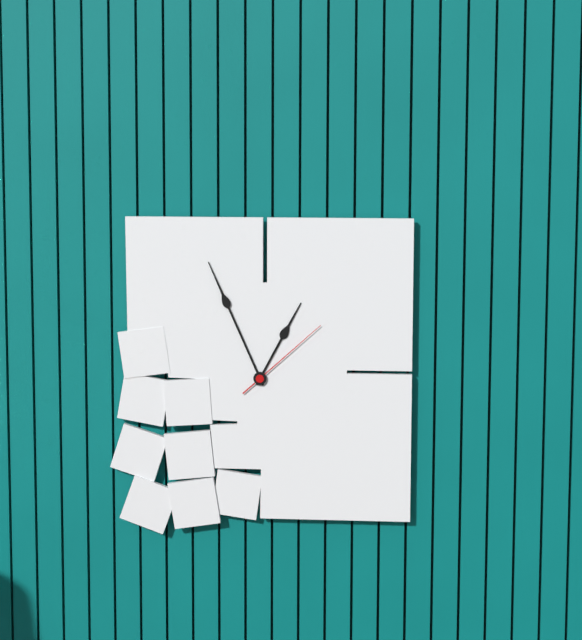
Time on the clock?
12:56:08
